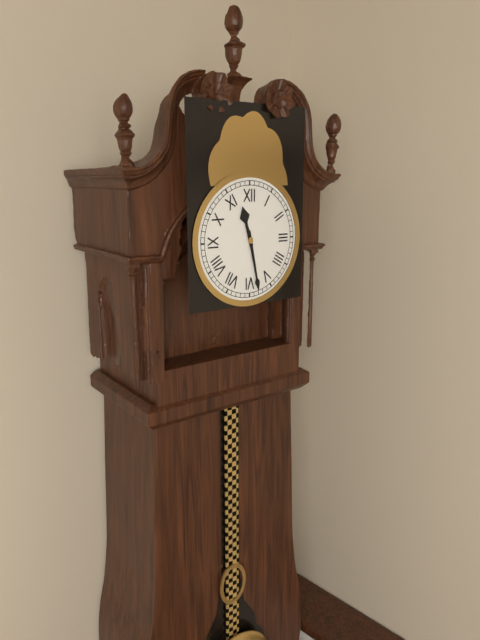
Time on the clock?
11:28
